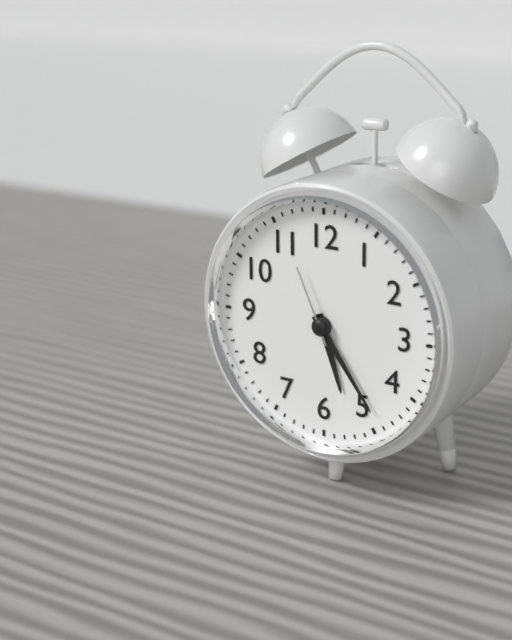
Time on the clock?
5:24:56
